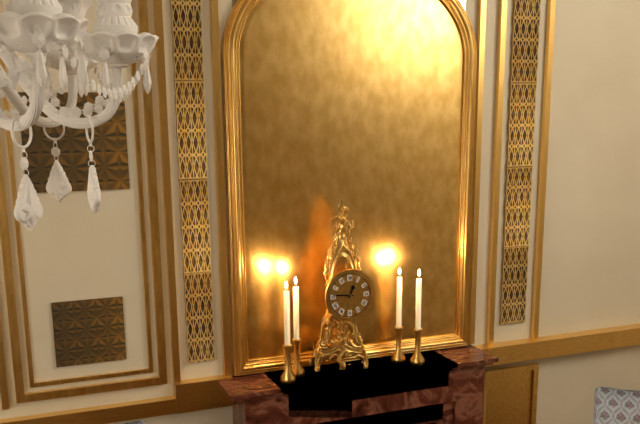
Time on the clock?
12:46
